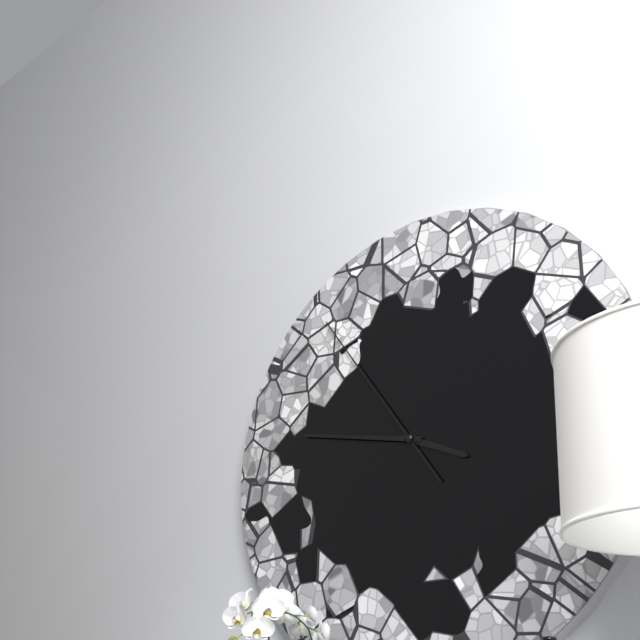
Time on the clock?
3:47:54
